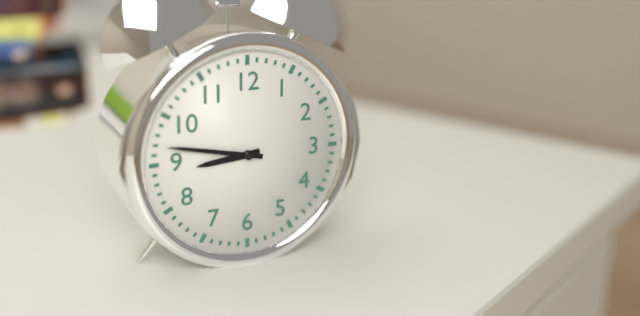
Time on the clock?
8:47
